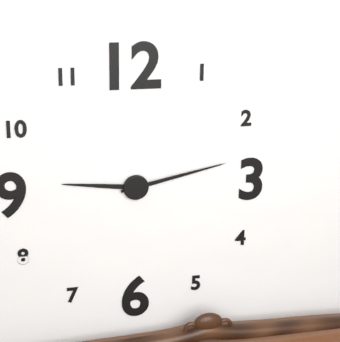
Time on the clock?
9:13
